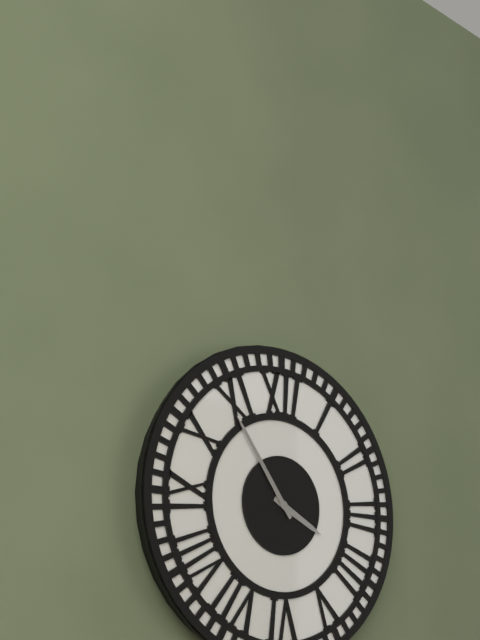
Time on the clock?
3:54
